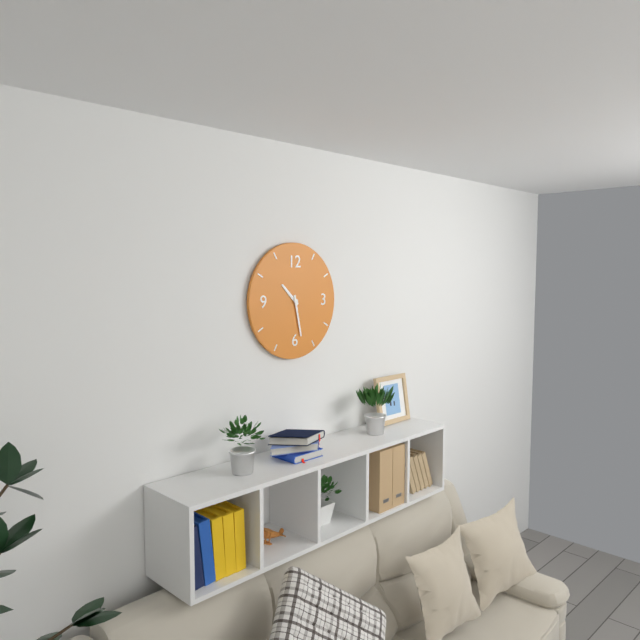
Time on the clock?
10:28
